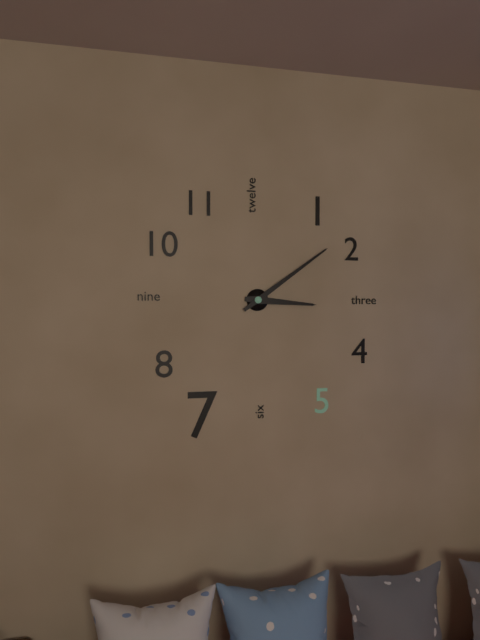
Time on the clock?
3:09
